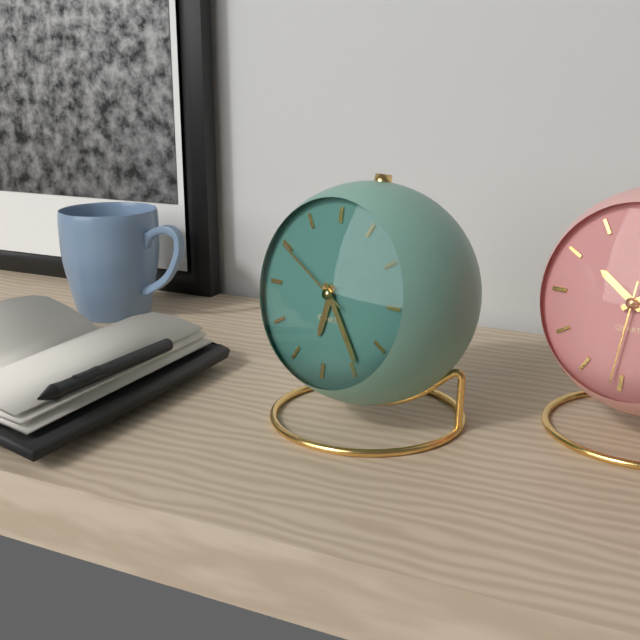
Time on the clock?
6:24:50
